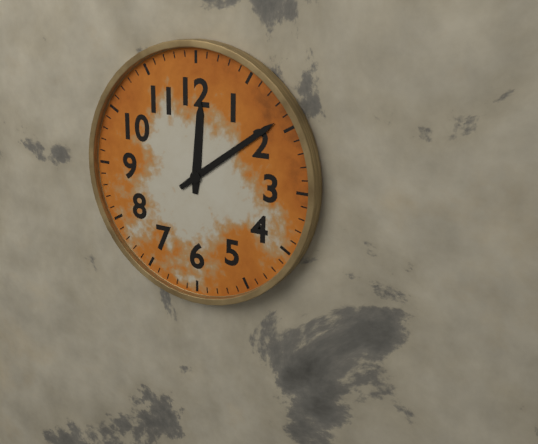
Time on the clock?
12:09
